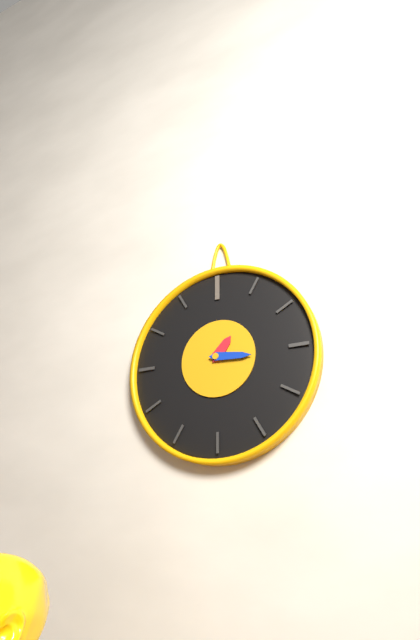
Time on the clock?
1:16
